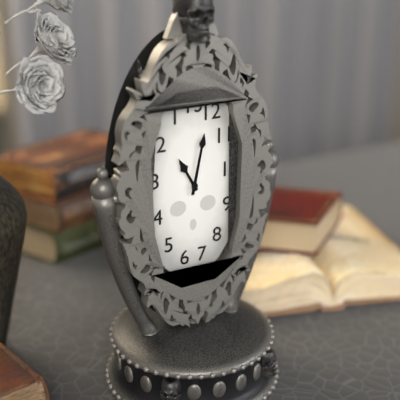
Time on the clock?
11:02
